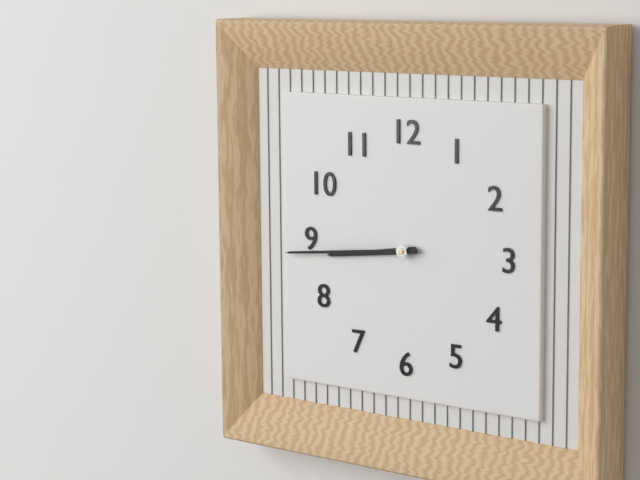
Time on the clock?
8:44
